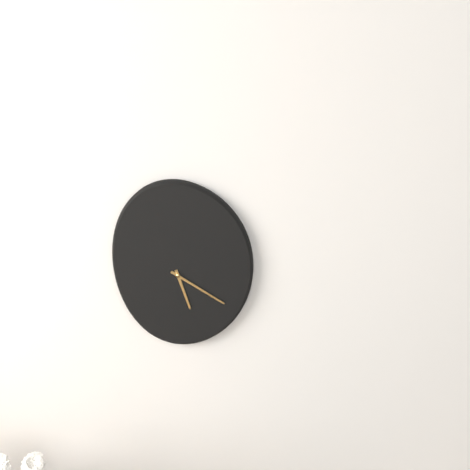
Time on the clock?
5:20
